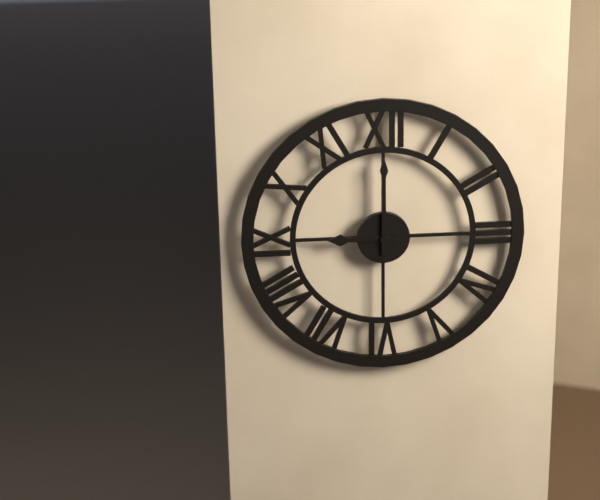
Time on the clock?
9:00
